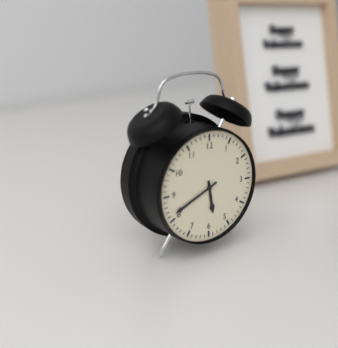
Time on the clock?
5:41
